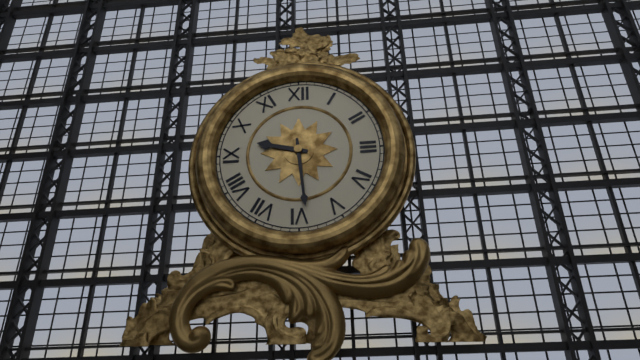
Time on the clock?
9:29
